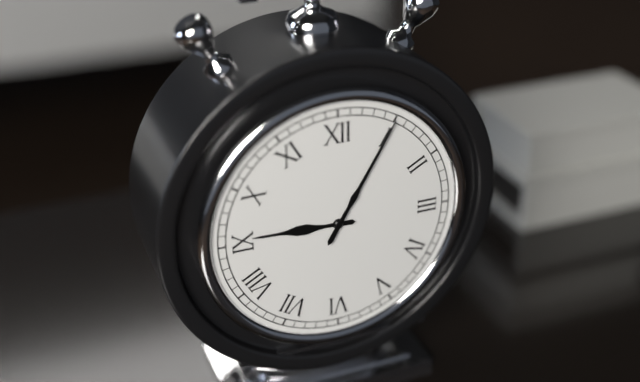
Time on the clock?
9:05
